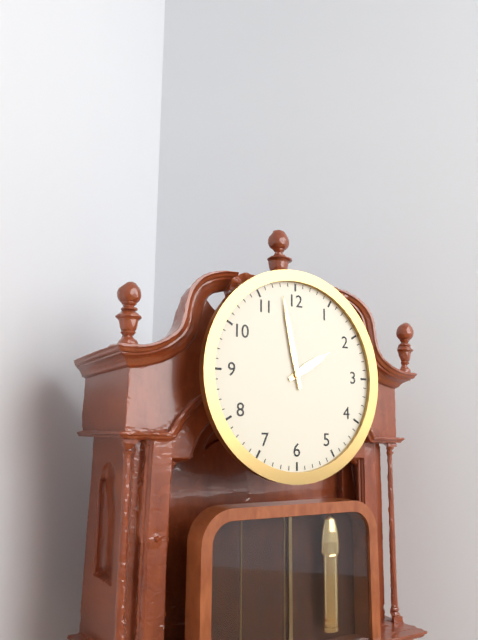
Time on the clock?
1:58
